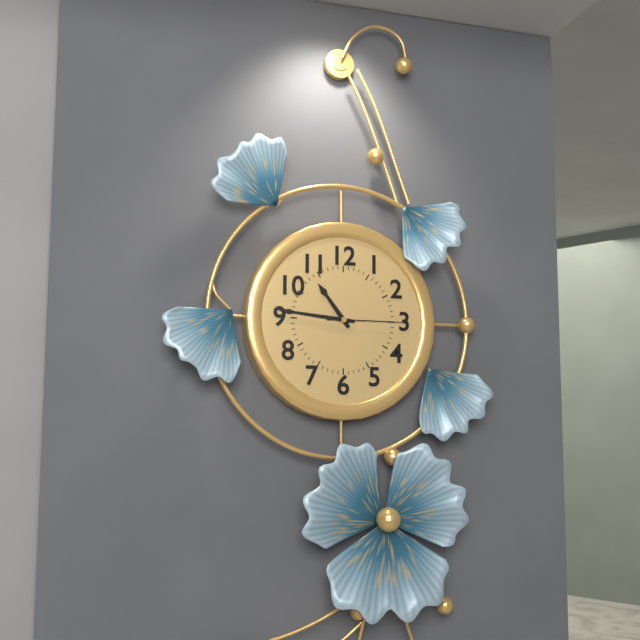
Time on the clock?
10:46:15
